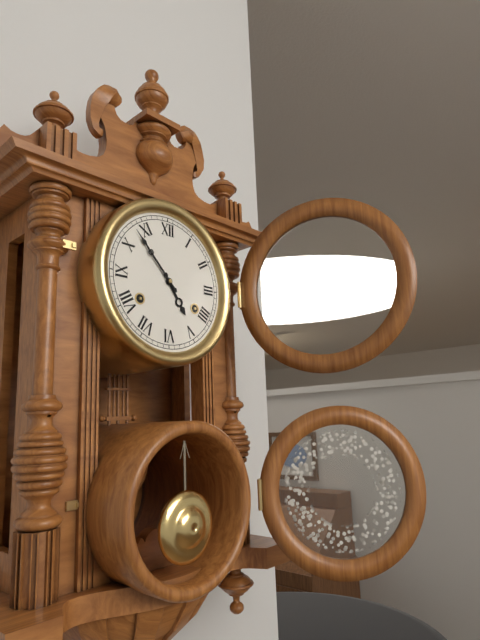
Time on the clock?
4:53
